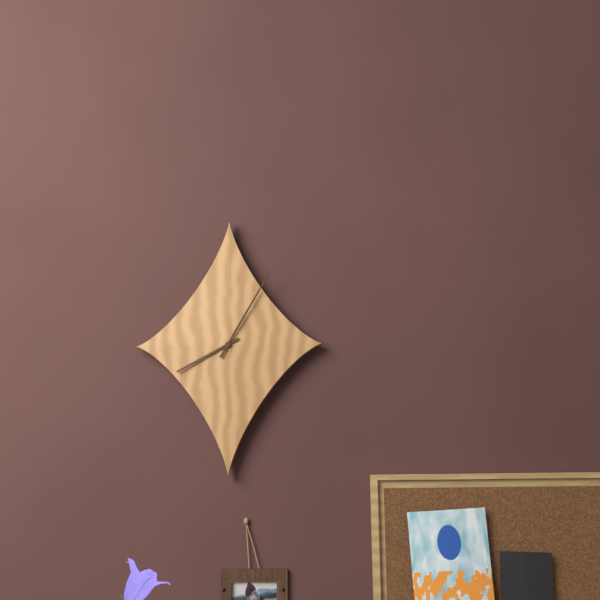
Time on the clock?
8:05
